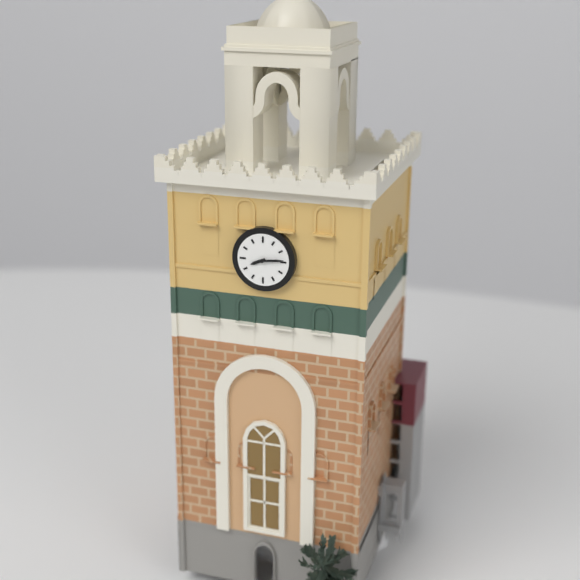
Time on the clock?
8:14
